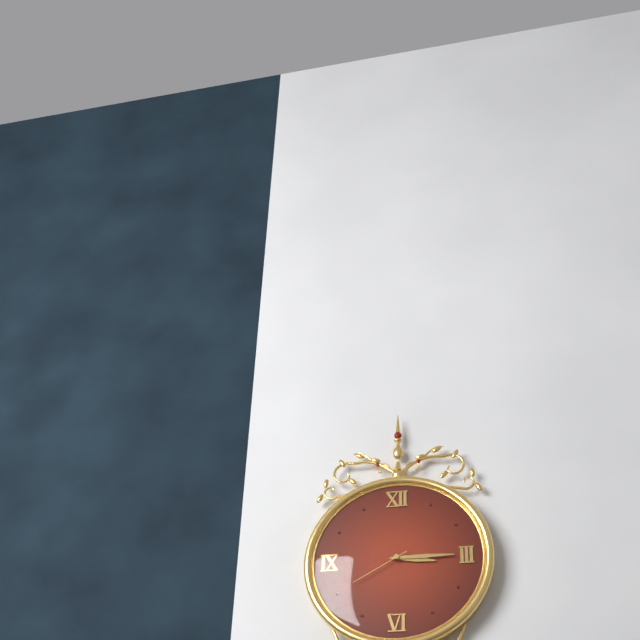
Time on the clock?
3:15:40
